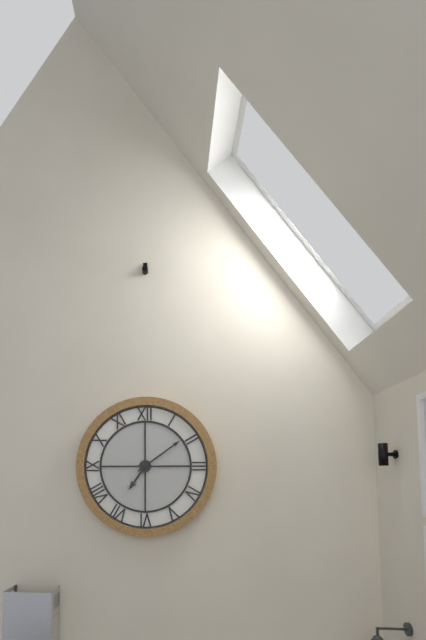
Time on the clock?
7:09
